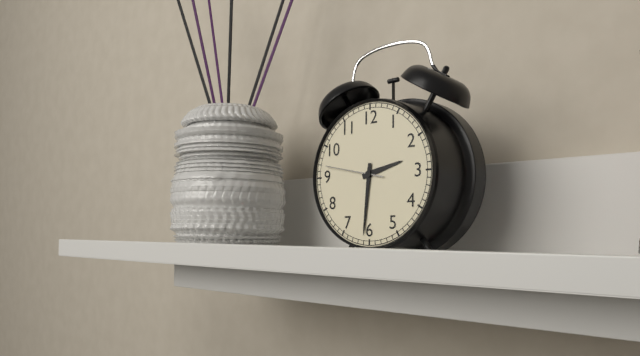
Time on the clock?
2:31:47
